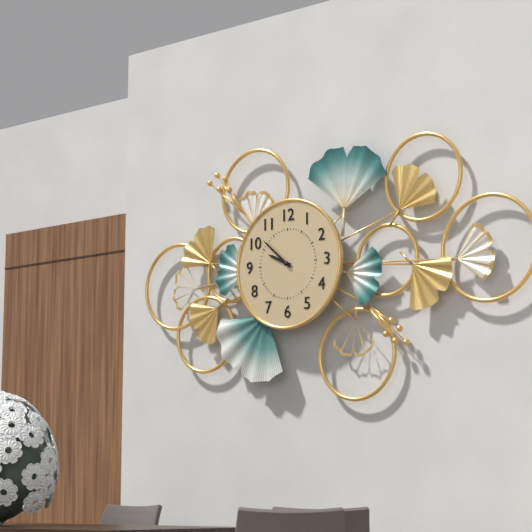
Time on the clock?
9:52
